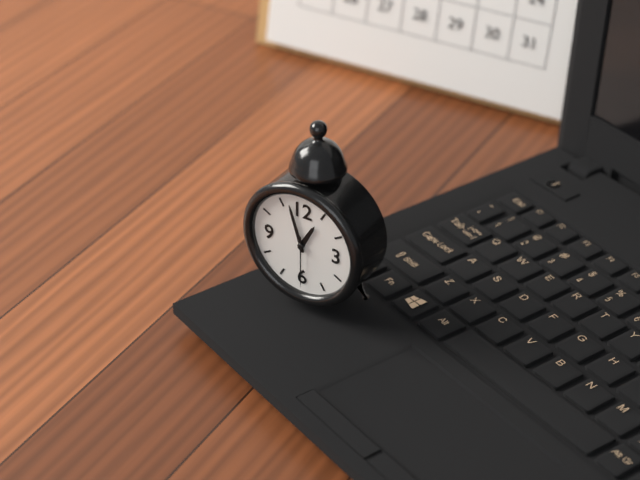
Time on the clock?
12:57:30
